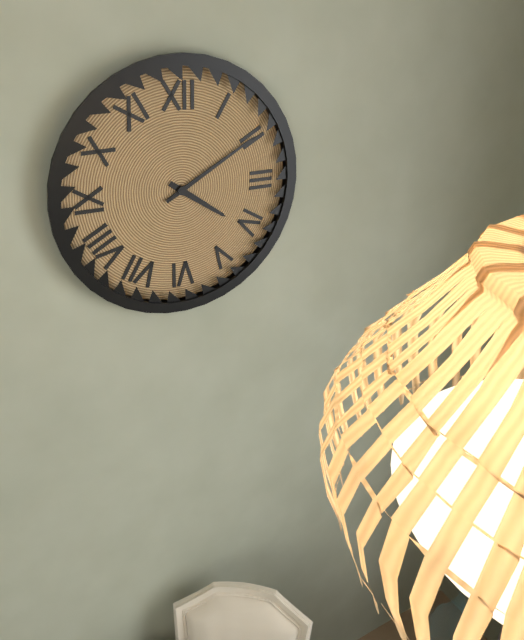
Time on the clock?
4:10
